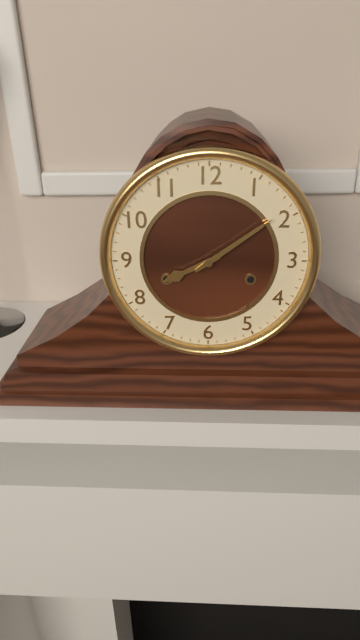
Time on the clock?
8:09
